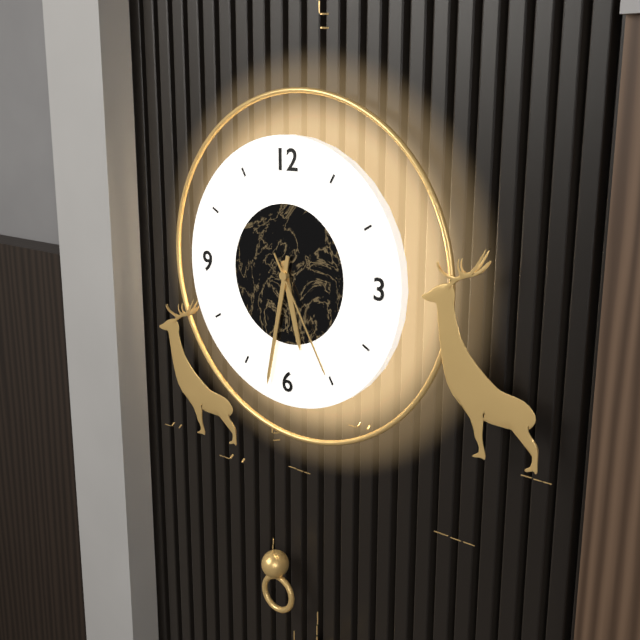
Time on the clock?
5:32:25
